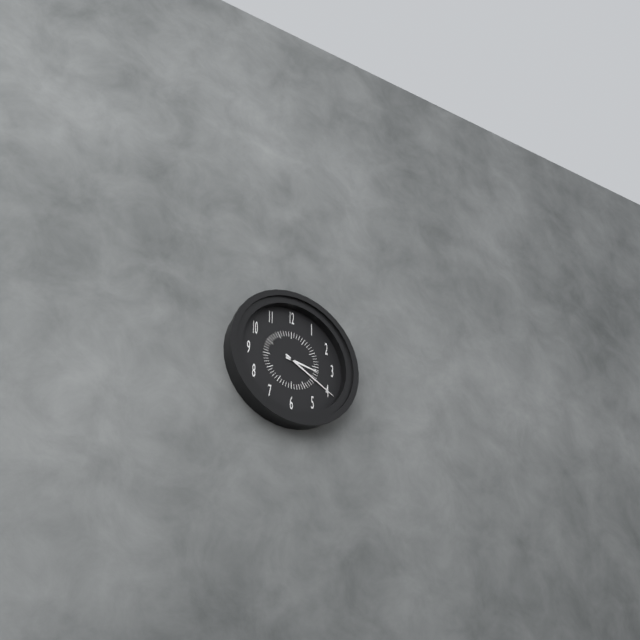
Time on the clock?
3:20
